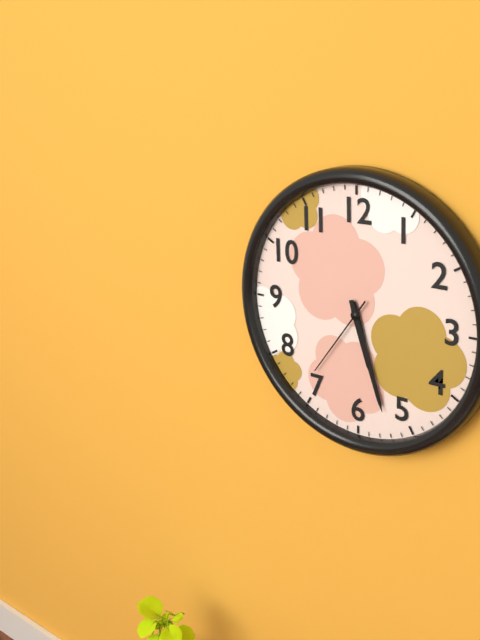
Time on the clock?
5:27:36
